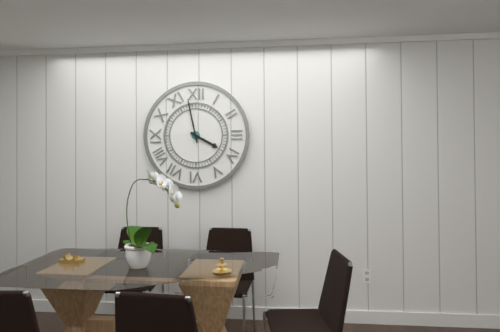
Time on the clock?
3:58
